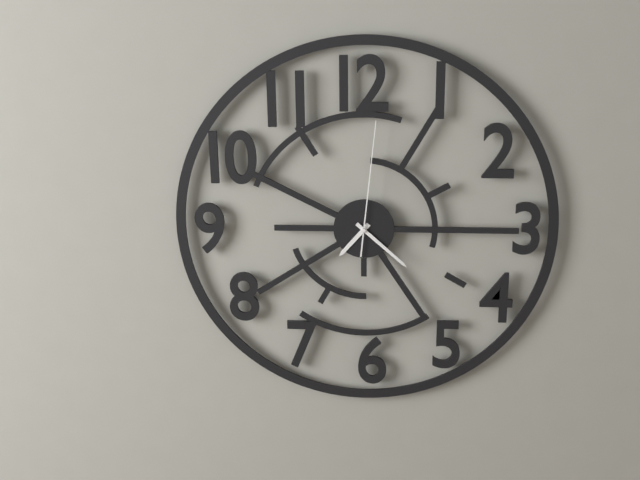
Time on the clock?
7:22:01
